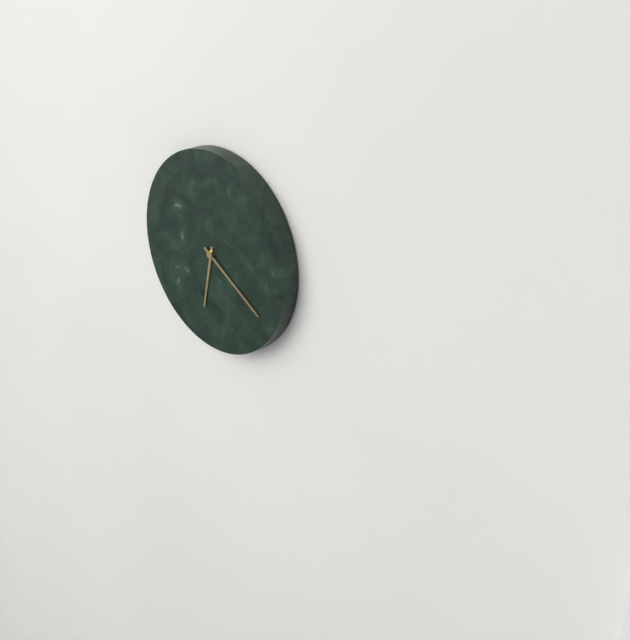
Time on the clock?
6:20
